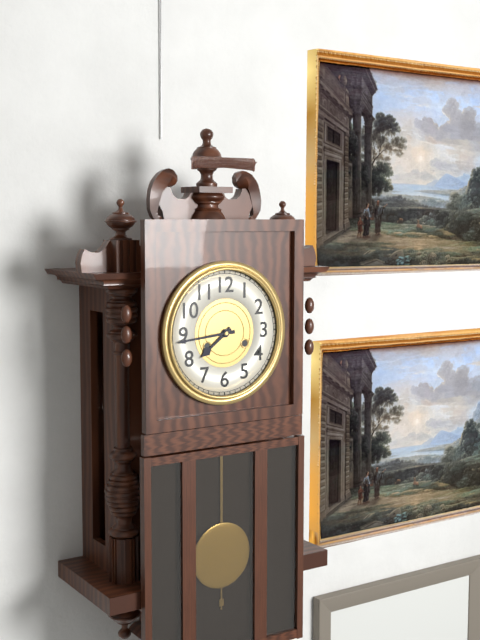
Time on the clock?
7:44
